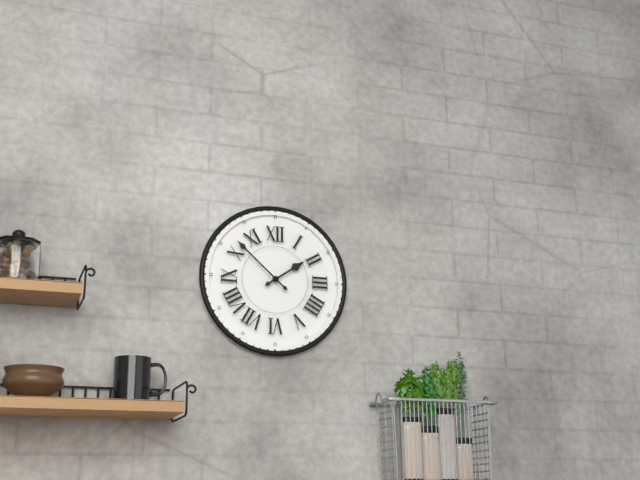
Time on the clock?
1:52
